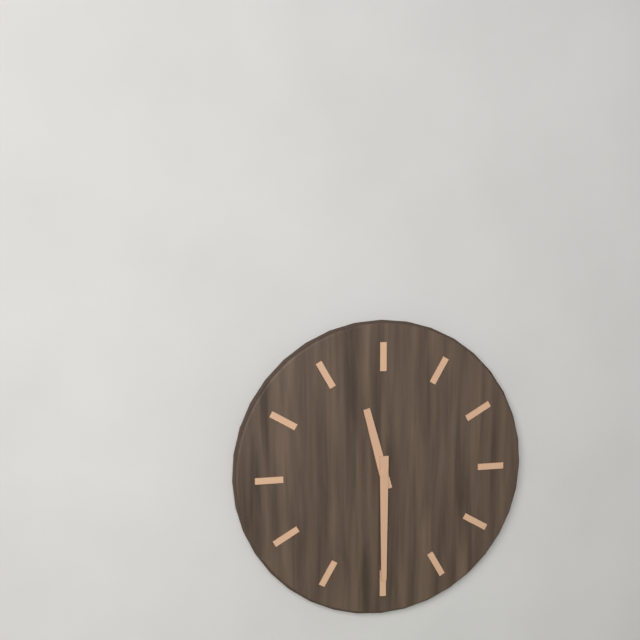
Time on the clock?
11:30
